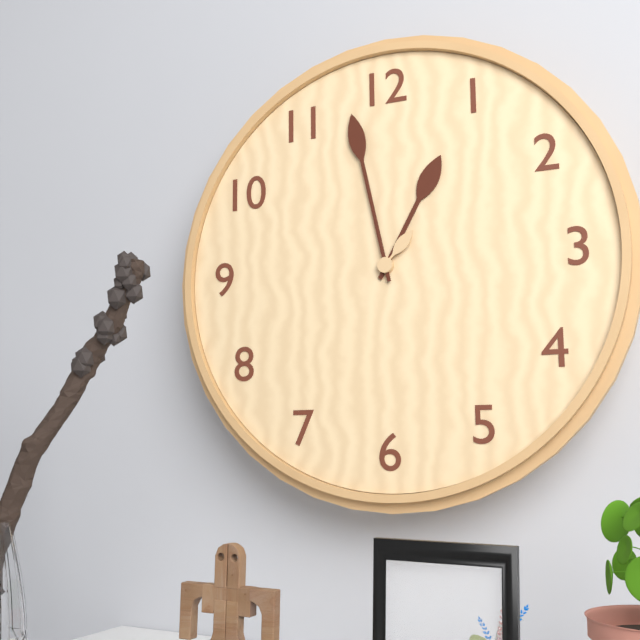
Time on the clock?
12:58:07
